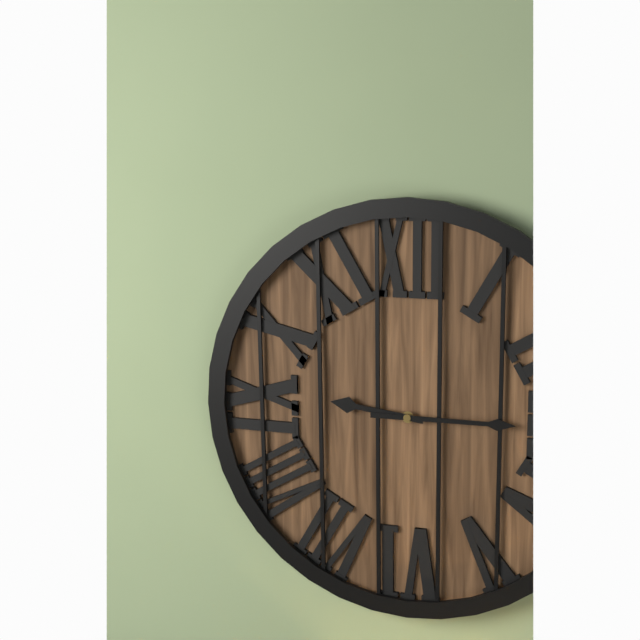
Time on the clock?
9:15
